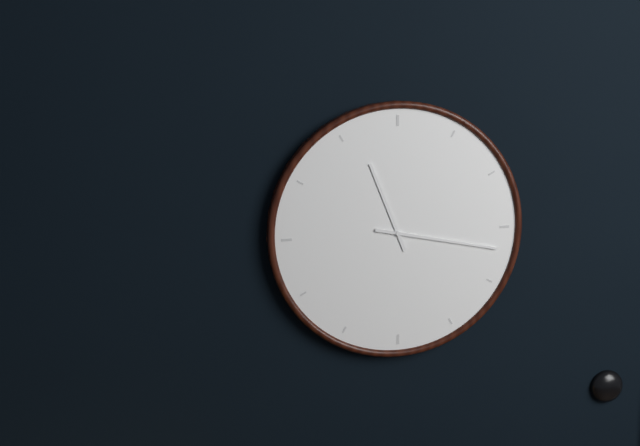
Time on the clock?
11:17
